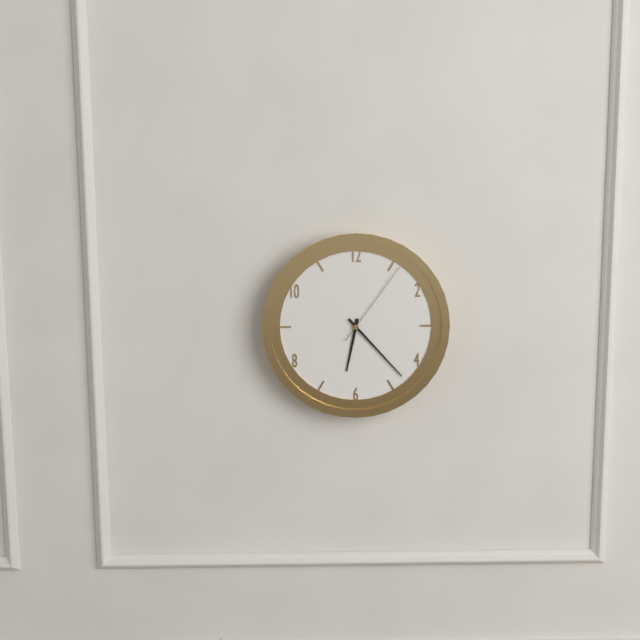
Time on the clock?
6:23:06
